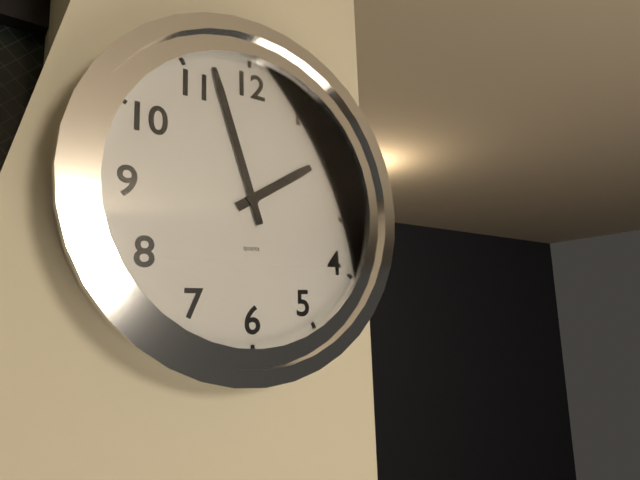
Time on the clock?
1:57
